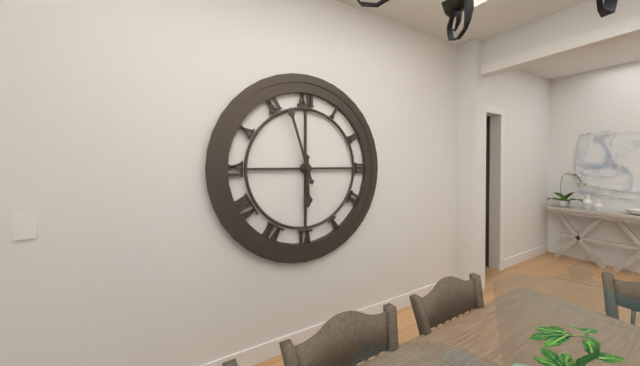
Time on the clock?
5:57
